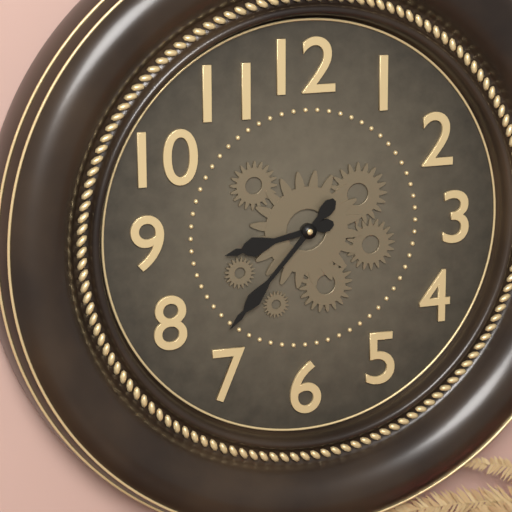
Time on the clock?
8:37
